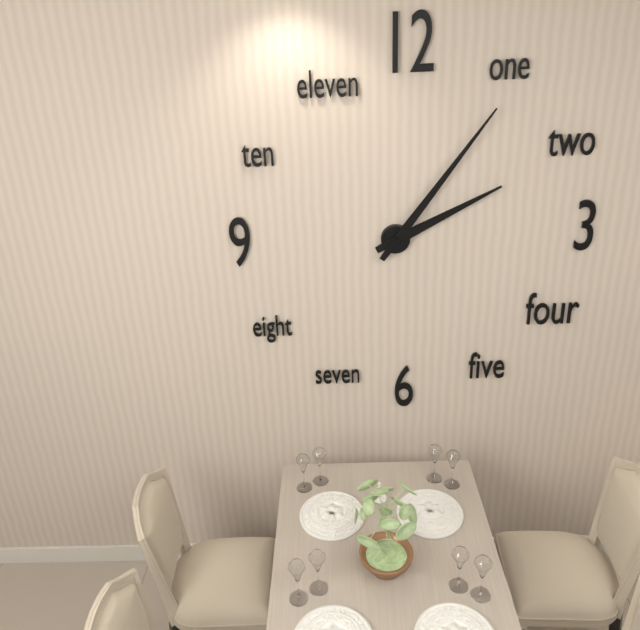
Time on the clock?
2:06
